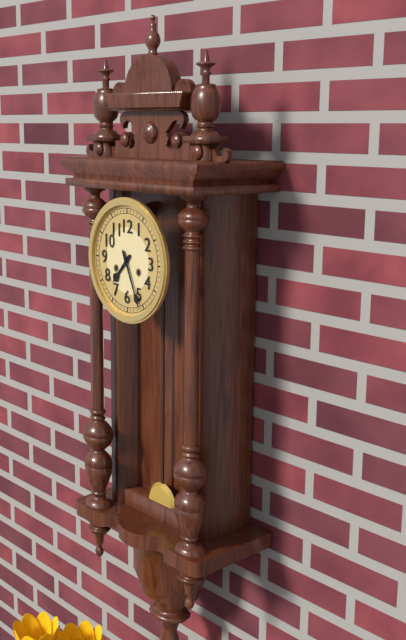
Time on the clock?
7:26
